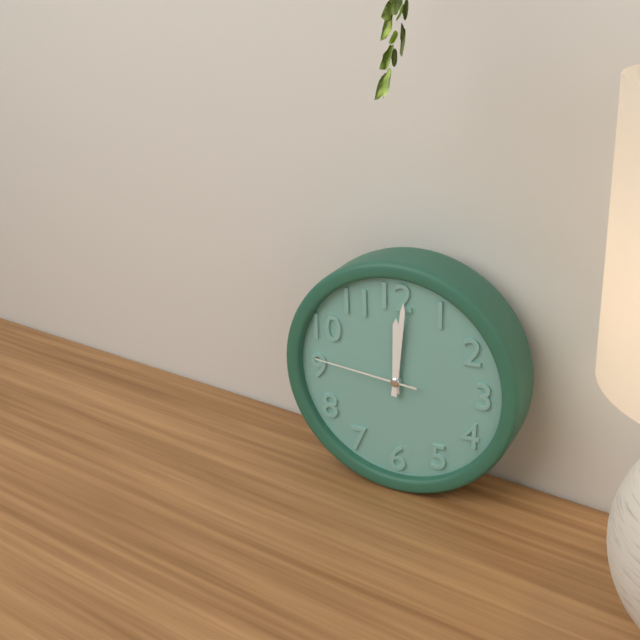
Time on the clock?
12:01:46
